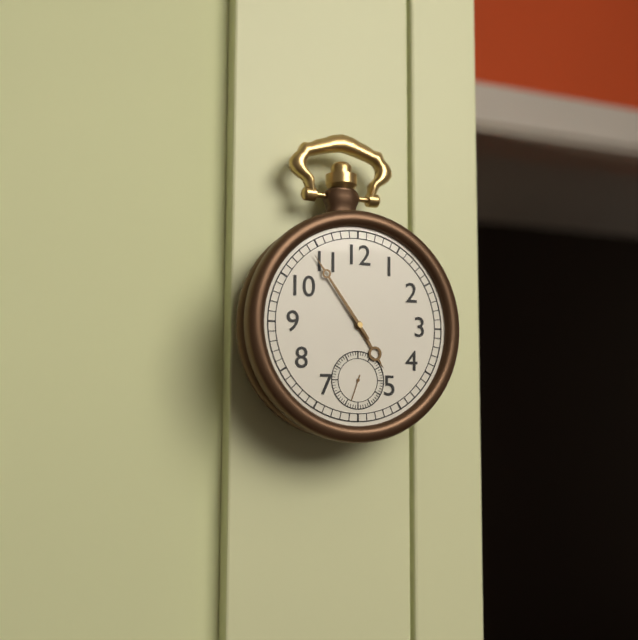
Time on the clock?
4:54
